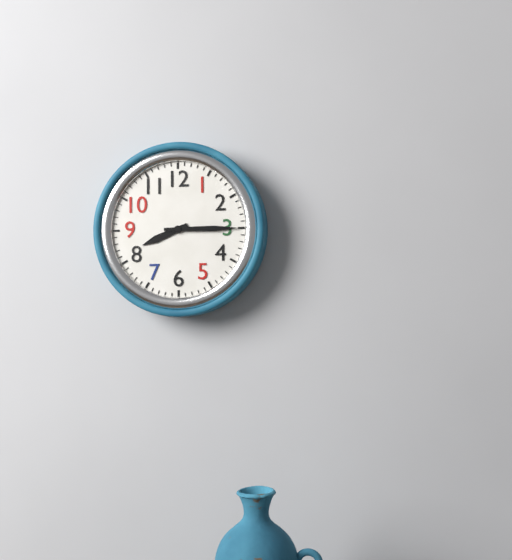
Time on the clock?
8:15
